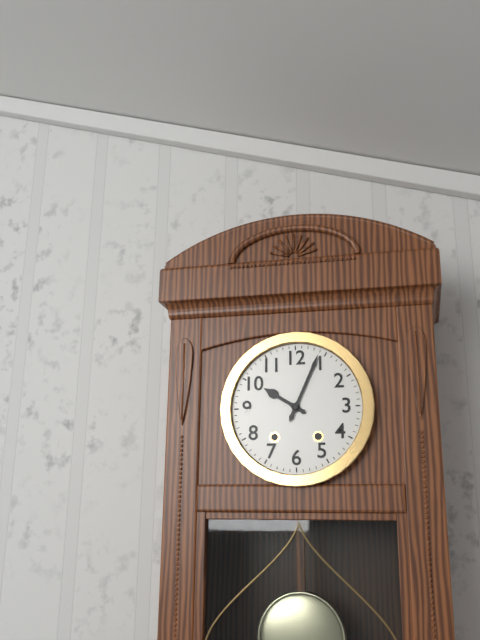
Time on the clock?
10:04
